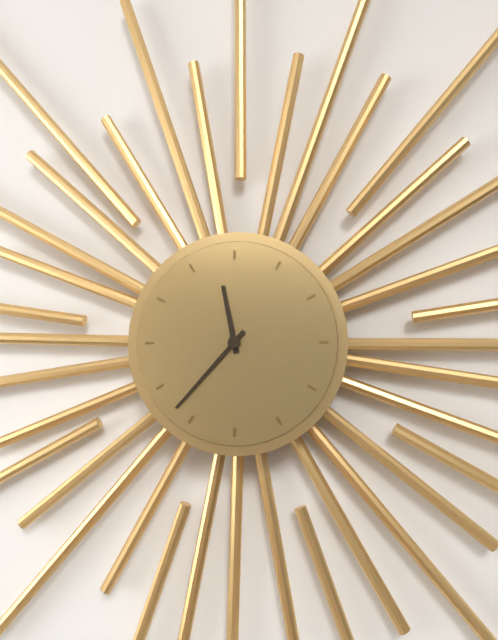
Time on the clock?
11:37
